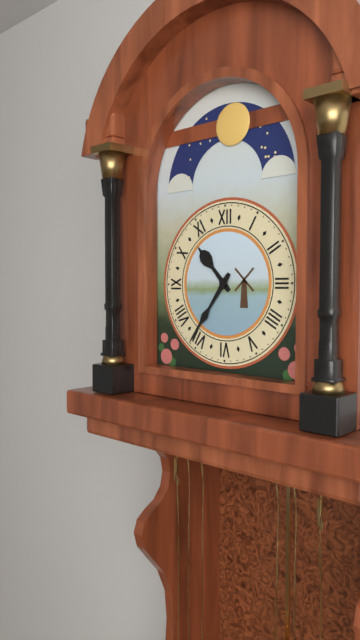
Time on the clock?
10:36
